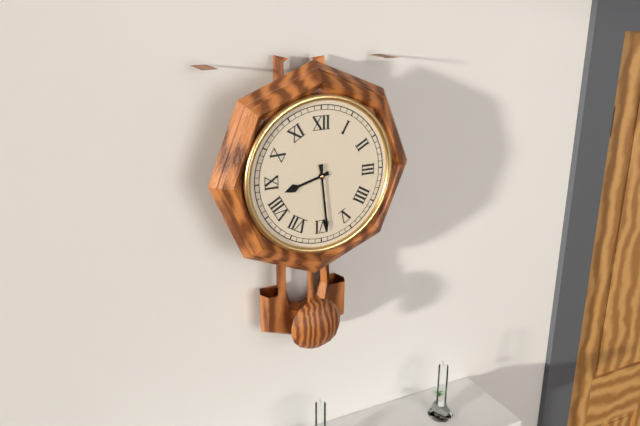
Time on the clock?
8:29
